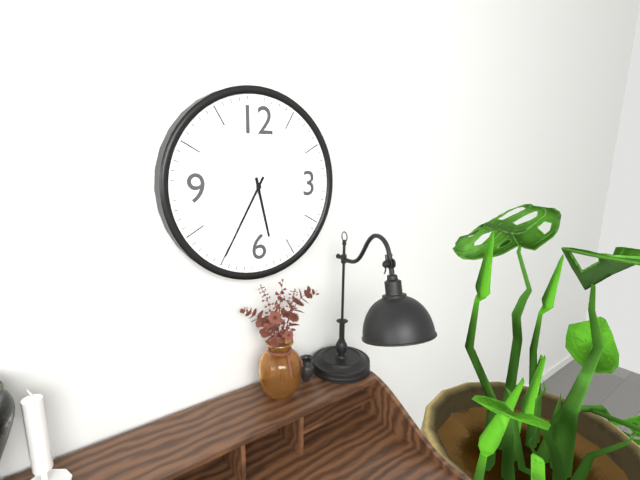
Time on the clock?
5:35
